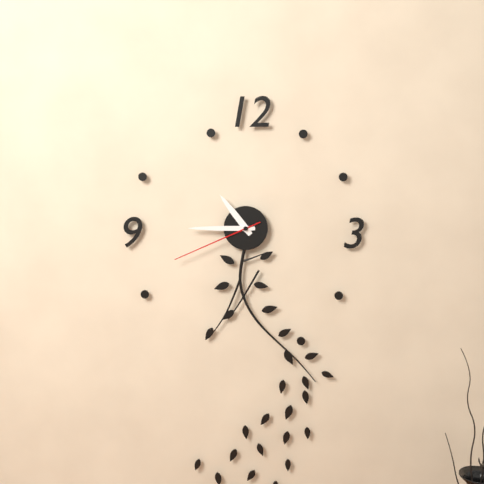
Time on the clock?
10:45:41
